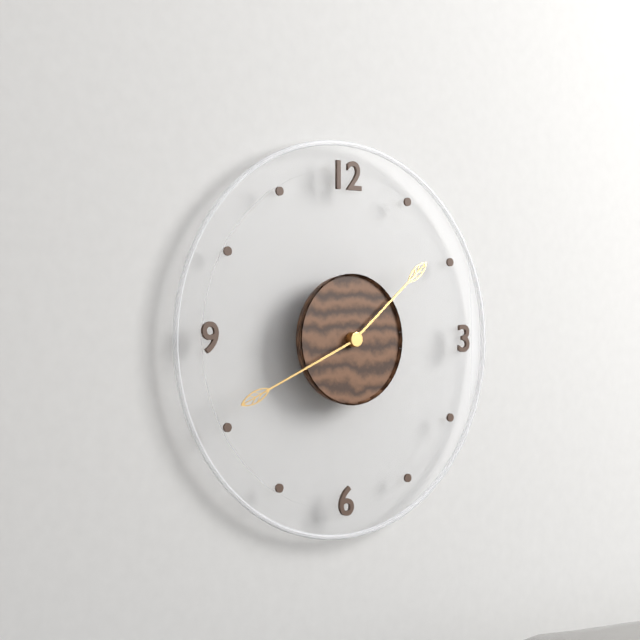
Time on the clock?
1:41
